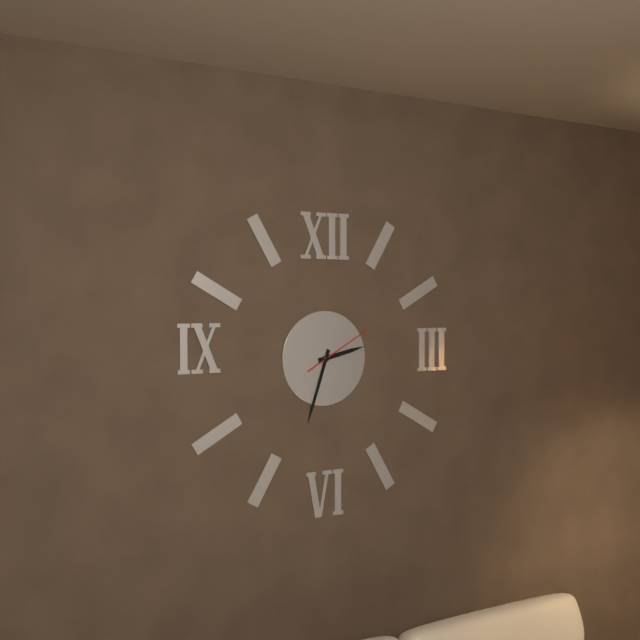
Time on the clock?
2:33:10
